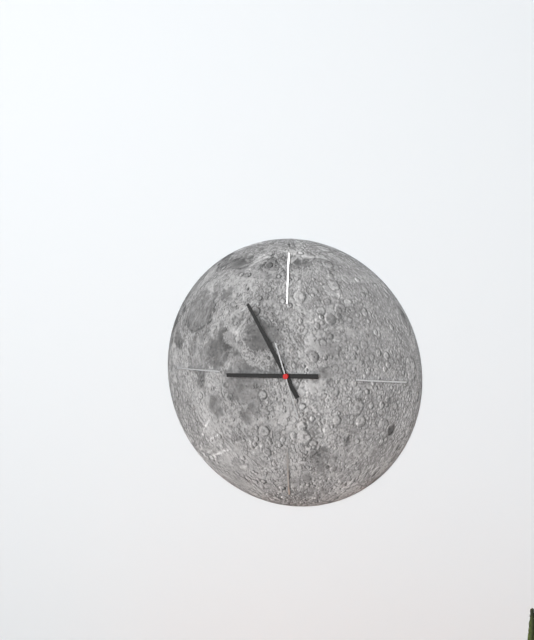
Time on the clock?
8:55:27
